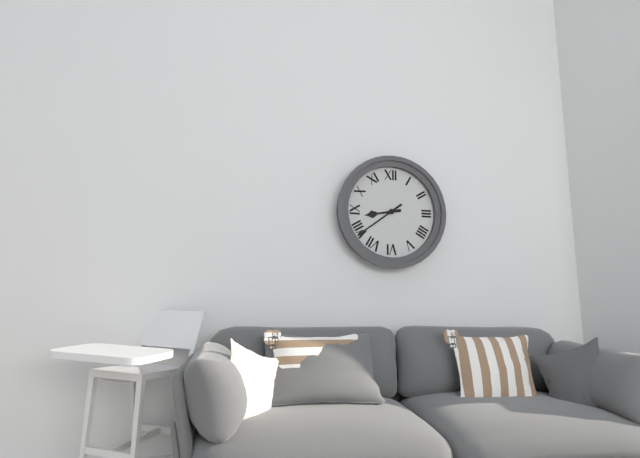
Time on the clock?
8:39
